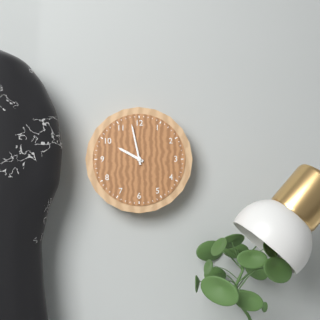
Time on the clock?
9:58
